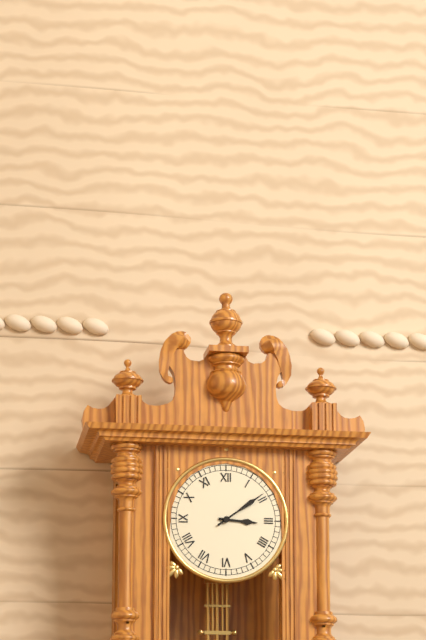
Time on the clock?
3:09
